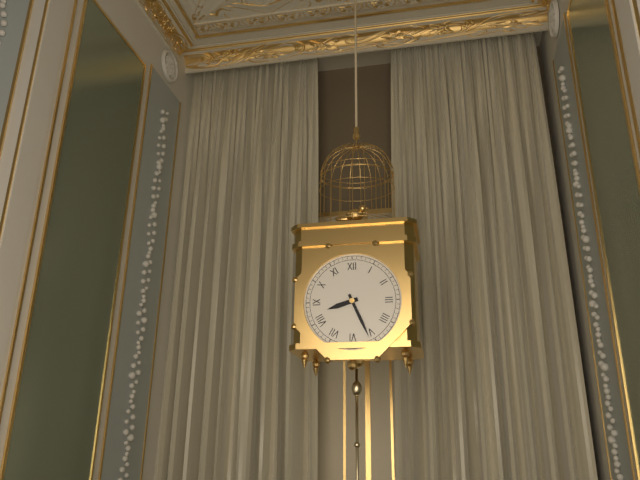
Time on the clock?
8:26
